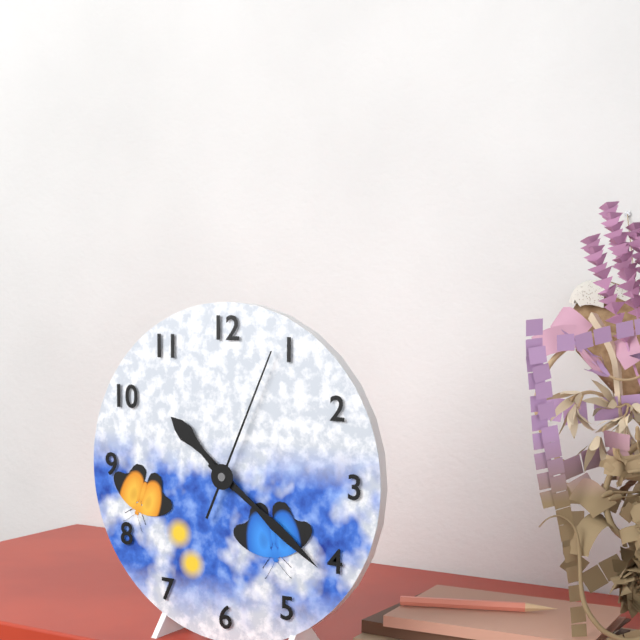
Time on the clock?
10:21:04
